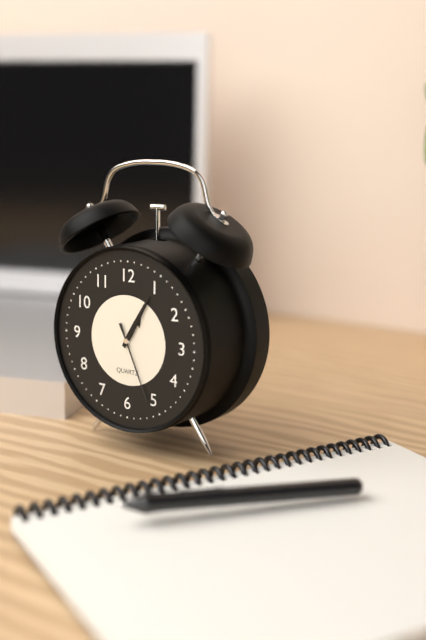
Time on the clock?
1:05:26
